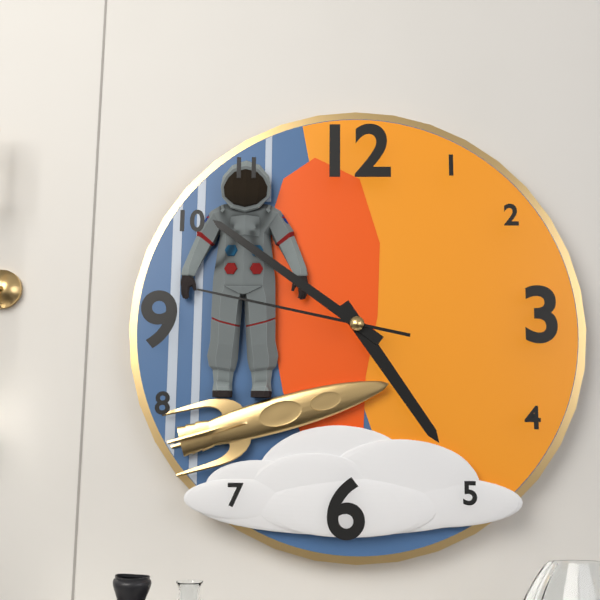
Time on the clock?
4:51:47
